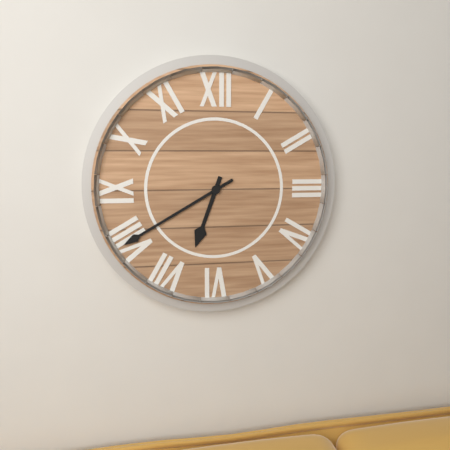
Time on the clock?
6:40
